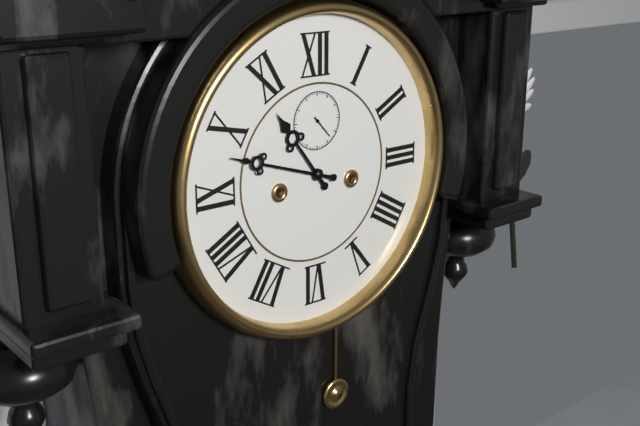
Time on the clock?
10:48
